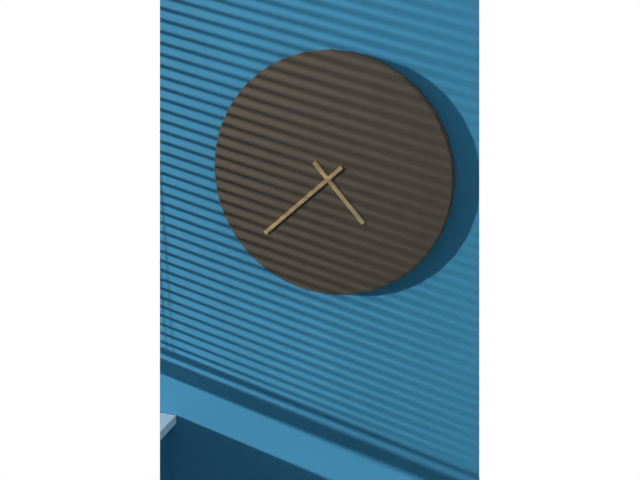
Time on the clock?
4:38
